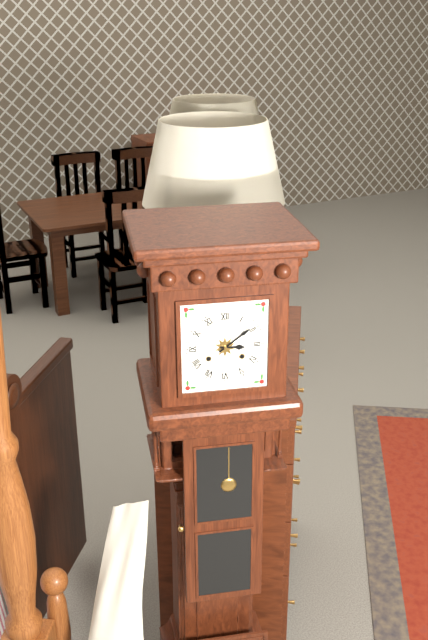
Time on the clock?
3:09
